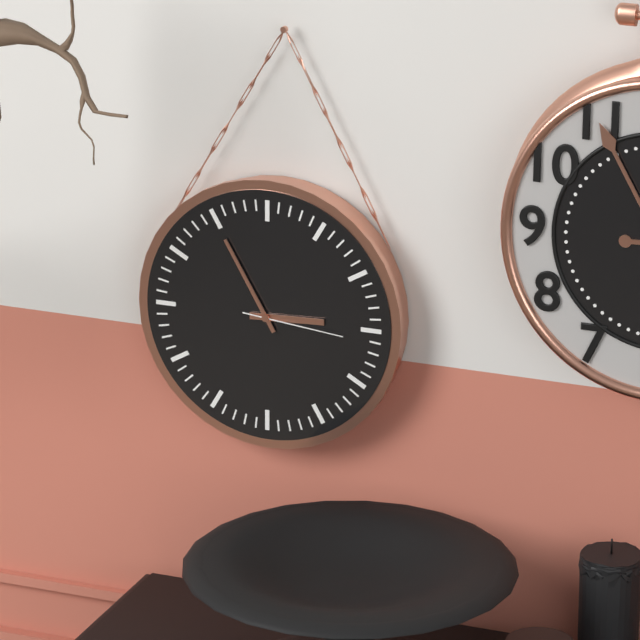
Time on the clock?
2:55:16
